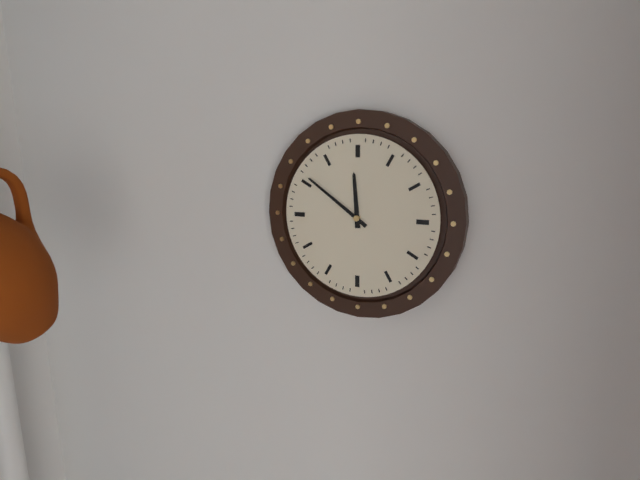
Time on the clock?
11:51
